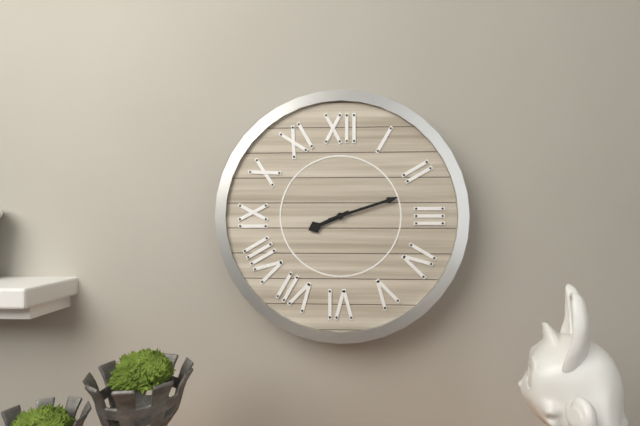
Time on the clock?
8:12
